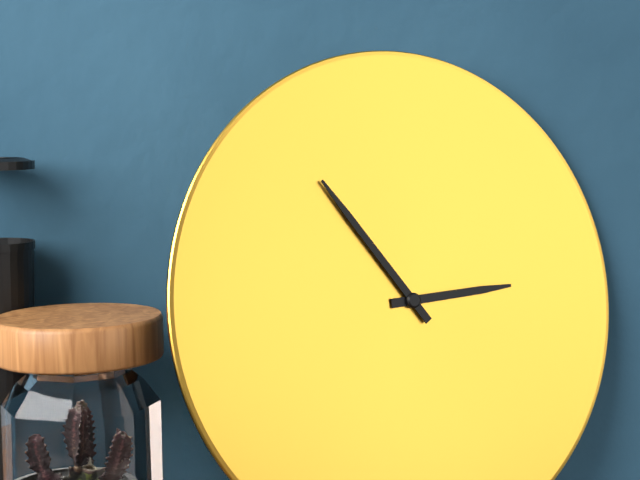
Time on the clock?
2:54
